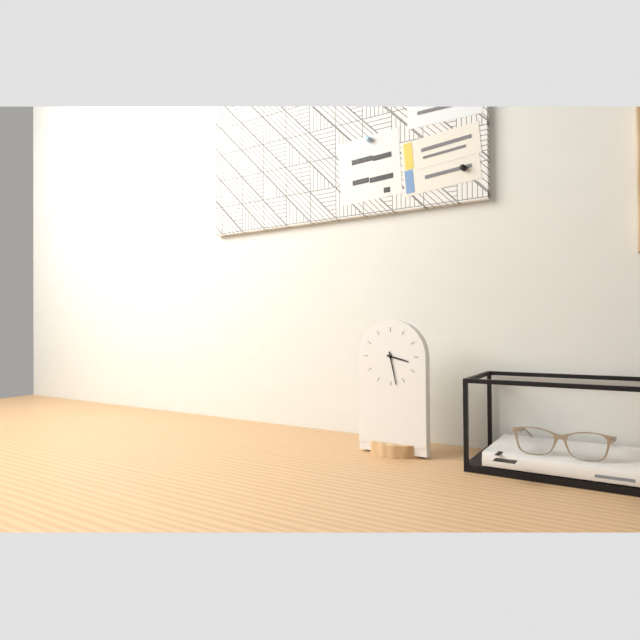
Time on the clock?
3:28
